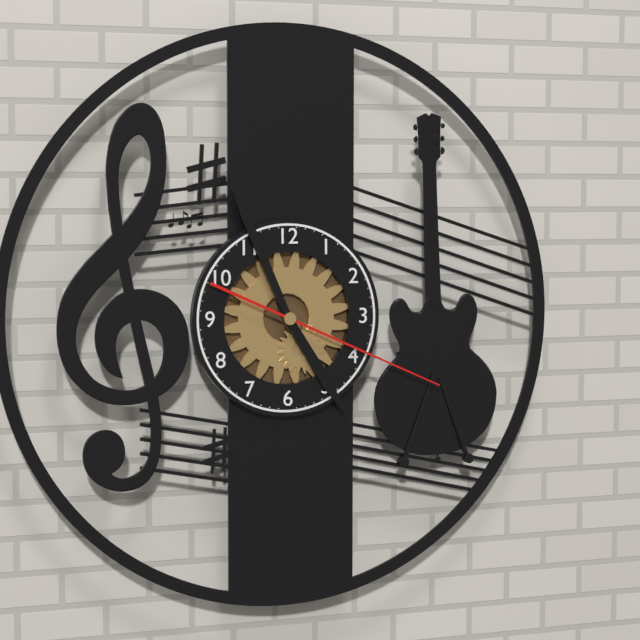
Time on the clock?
4:56:19
